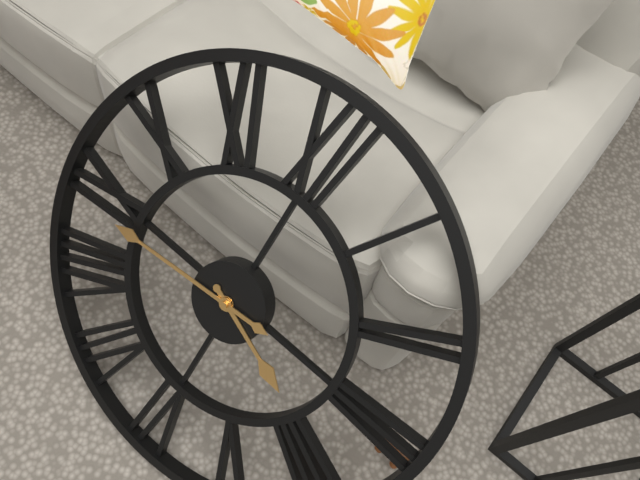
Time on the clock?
3:44
